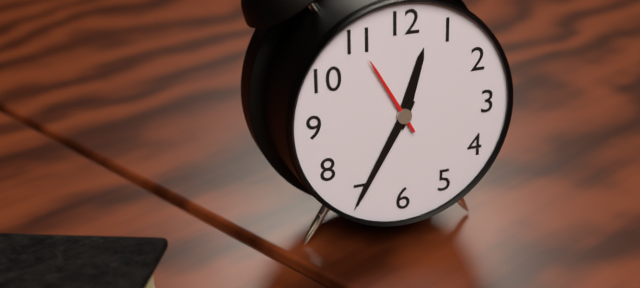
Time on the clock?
12:35:55
